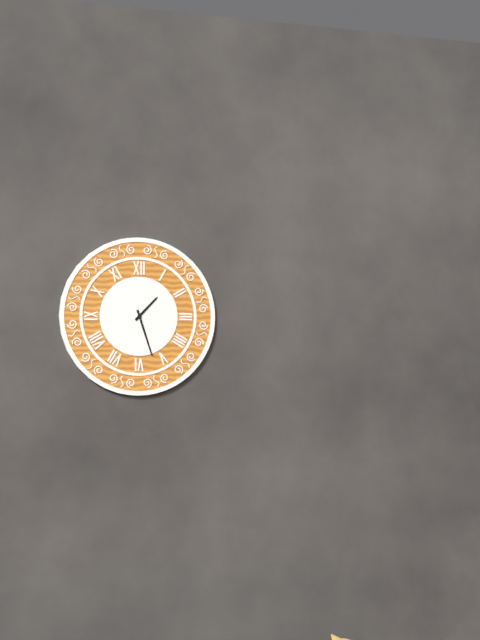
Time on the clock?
1:27
